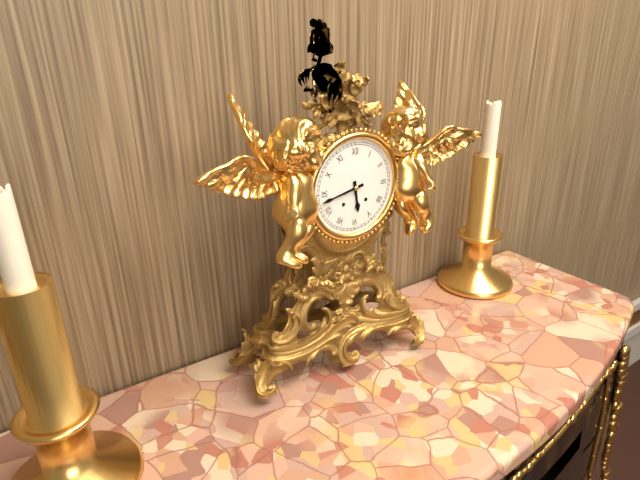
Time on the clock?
5:43
